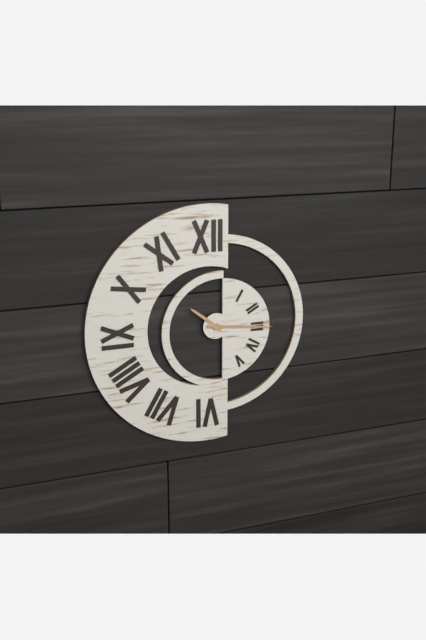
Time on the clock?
10:16
